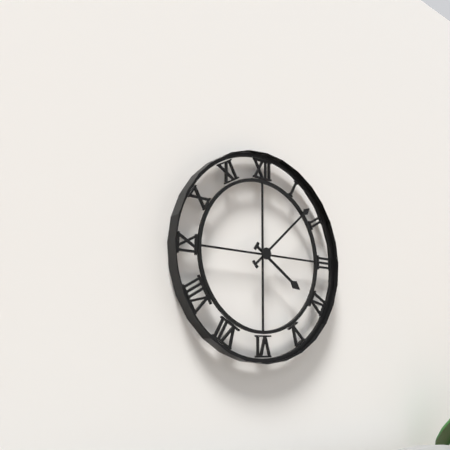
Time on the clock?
4:08
